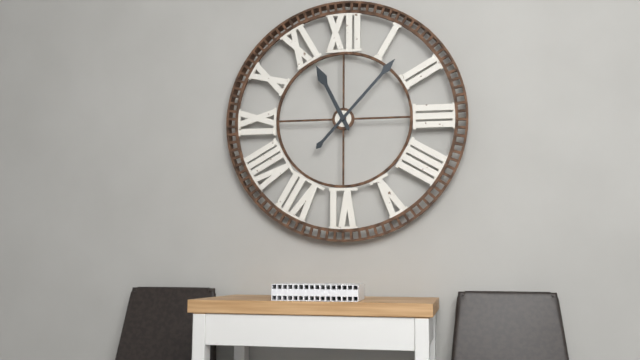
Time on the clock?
11:07
